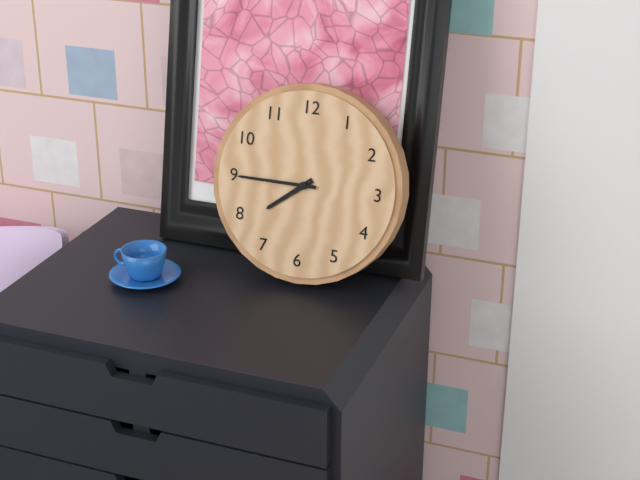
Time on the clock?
7:45
